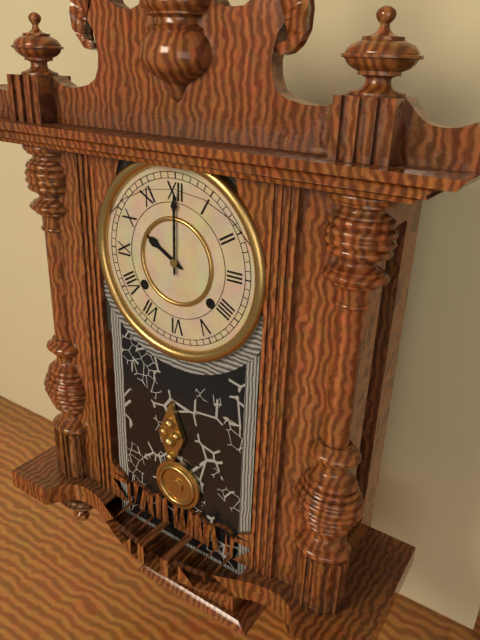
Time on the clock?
10:00
